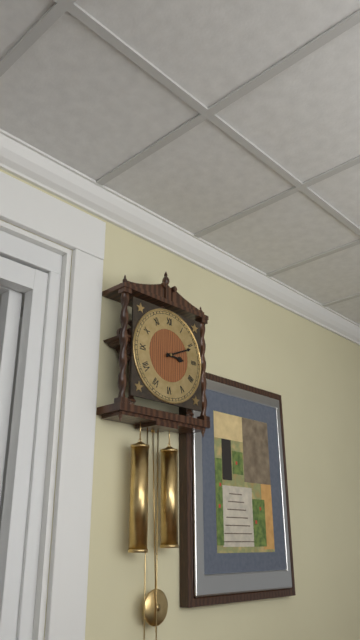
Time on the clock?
3:11
